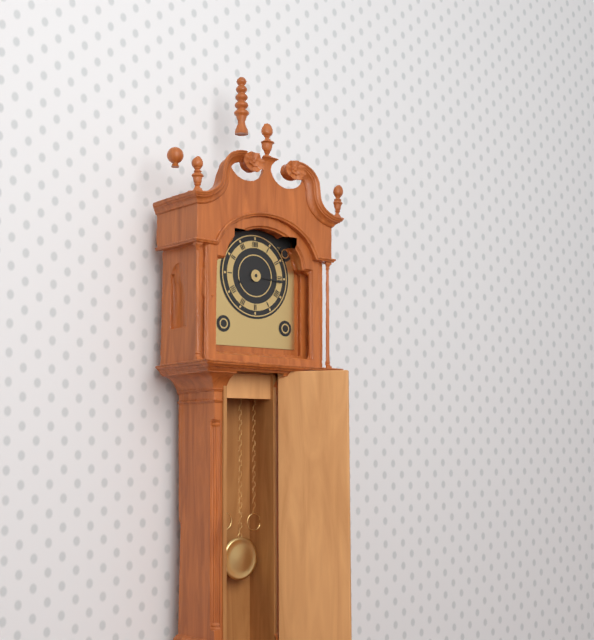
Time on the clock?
8:16
